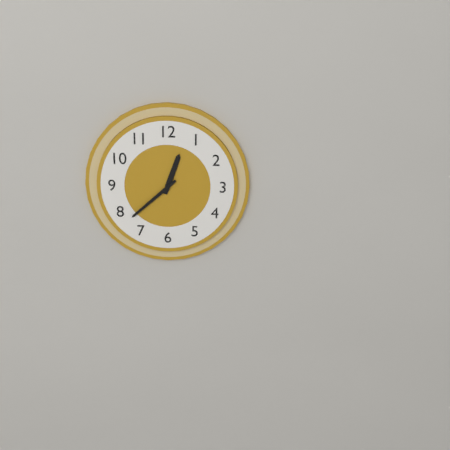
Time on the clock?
12:38
